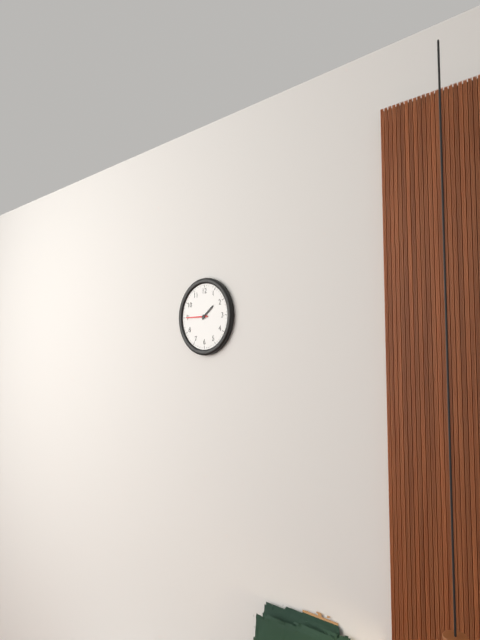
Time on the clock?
1:45
